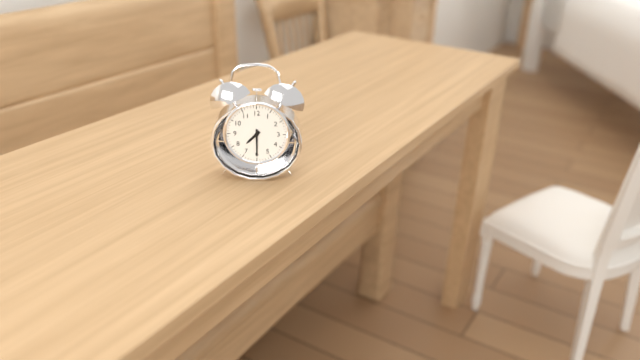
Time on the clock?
7:30
